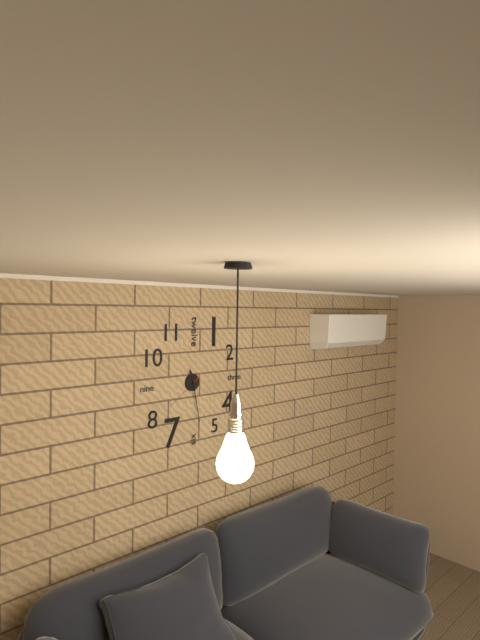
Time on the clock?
11:28
